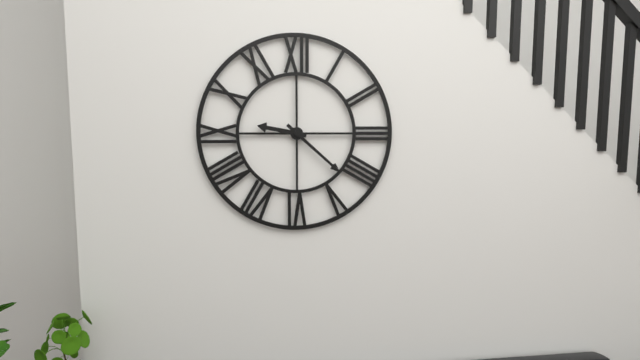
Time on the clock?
9:22
